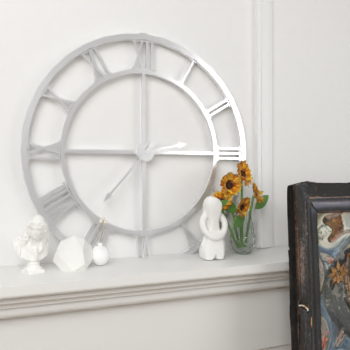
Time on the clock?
2:37
